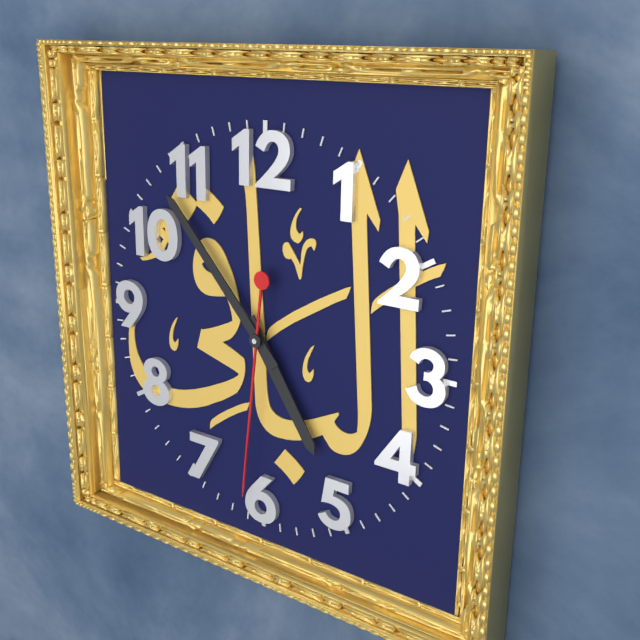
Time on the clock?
4:53:31
